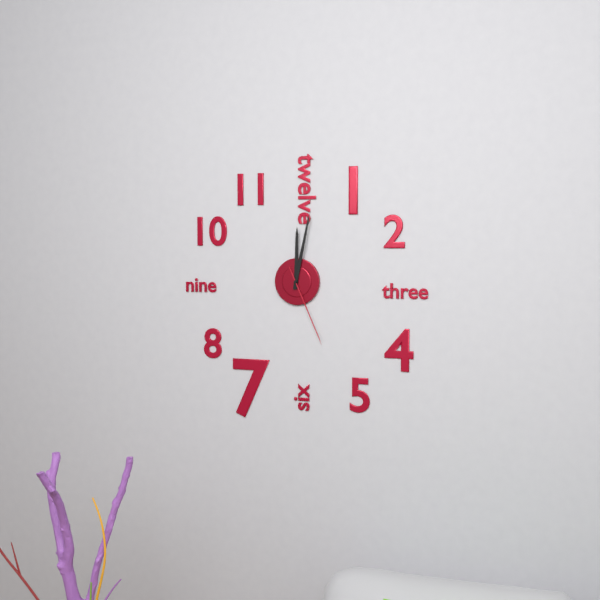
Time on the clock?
12:02:26
